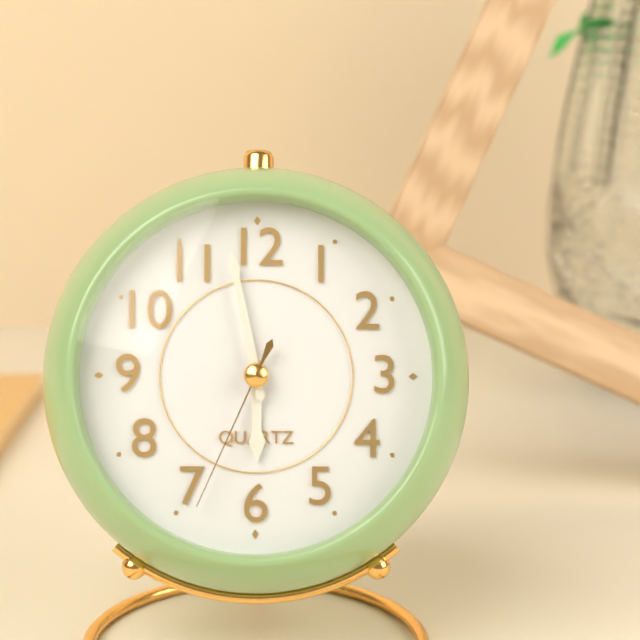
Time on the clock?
5:58:34
